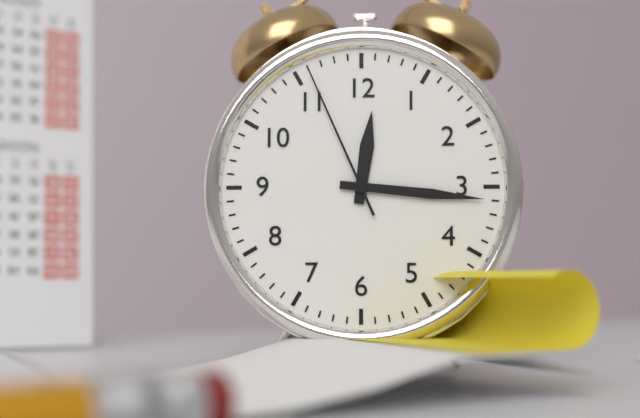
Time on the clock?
12:16:56
